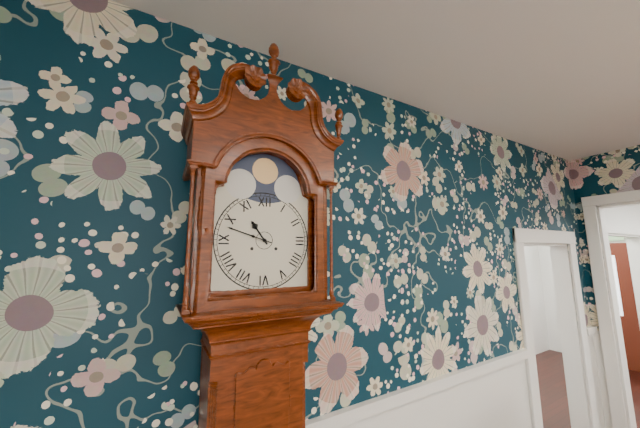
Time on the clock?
10:48
